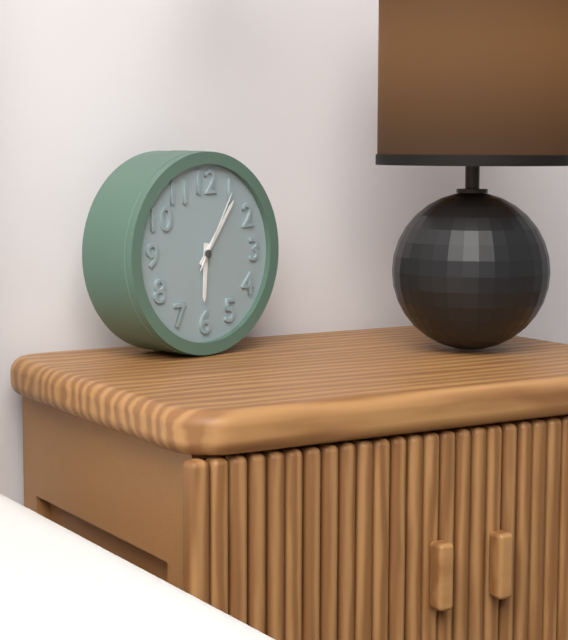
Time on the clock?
6:06:05
